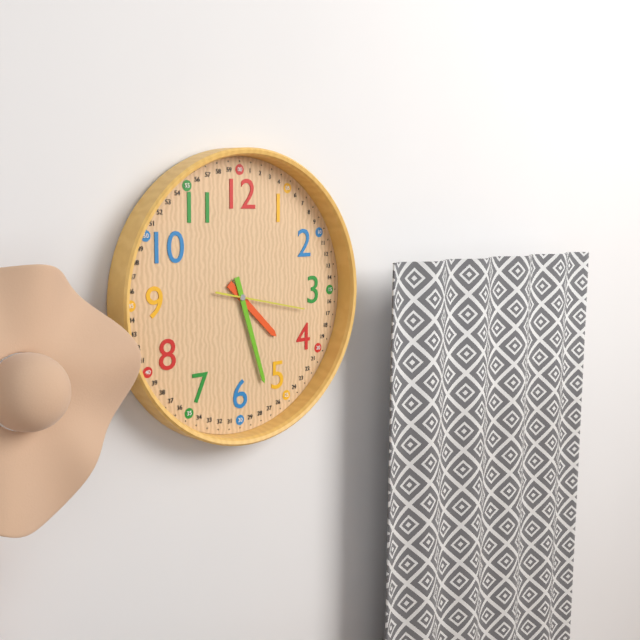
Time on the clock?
4:27:17
